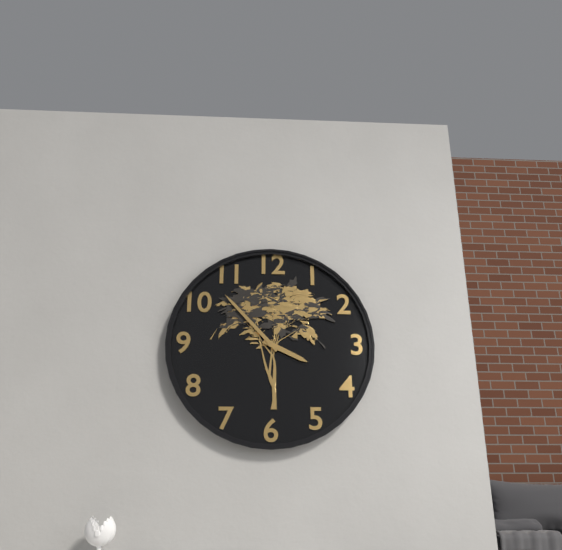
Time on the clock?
3:53
